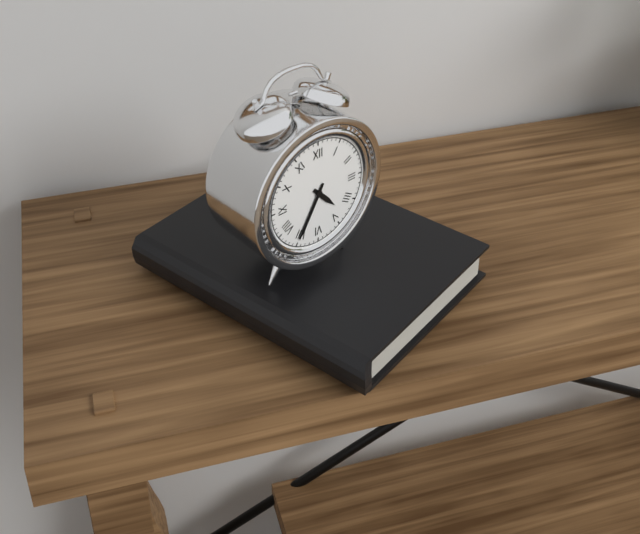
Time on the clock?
4:35
